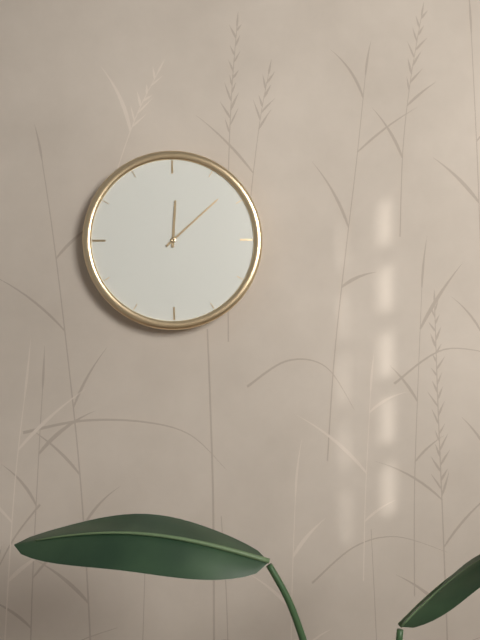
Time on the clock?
12:08
